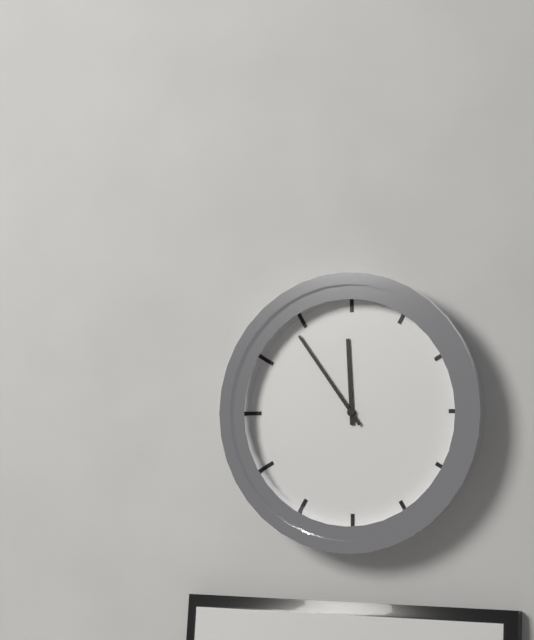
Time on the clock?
11:54
